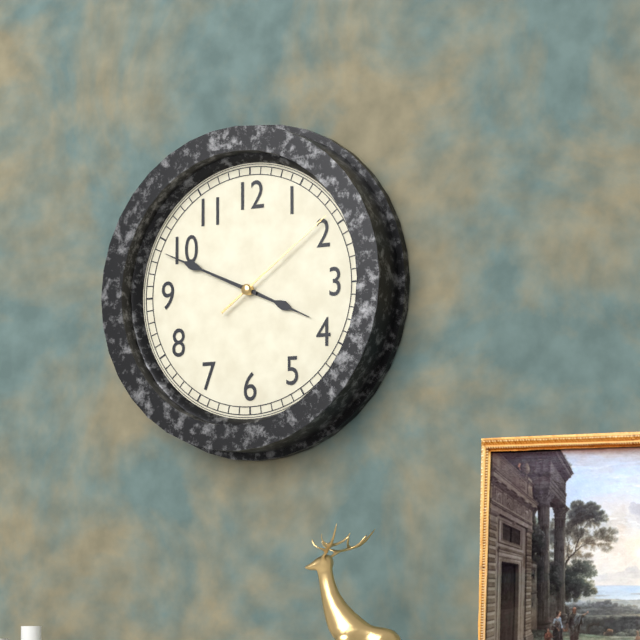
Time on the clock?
3:49:09
